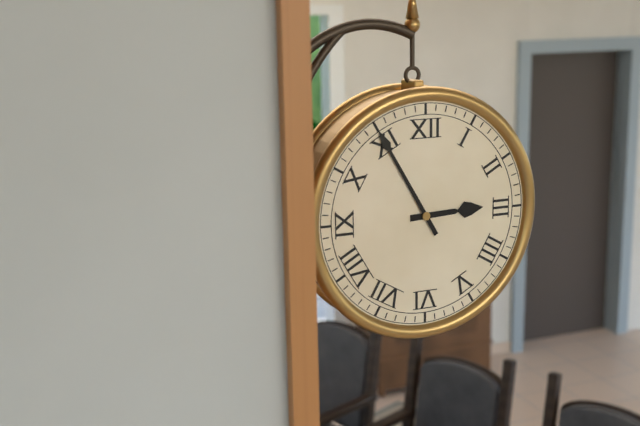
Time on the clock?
2:55
